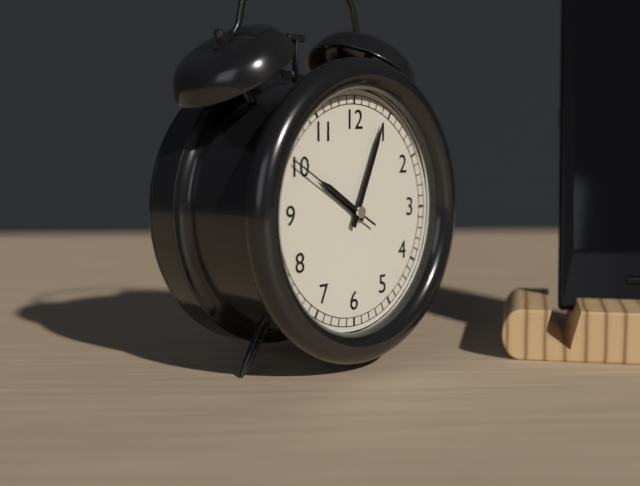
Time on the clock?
10:04:50
